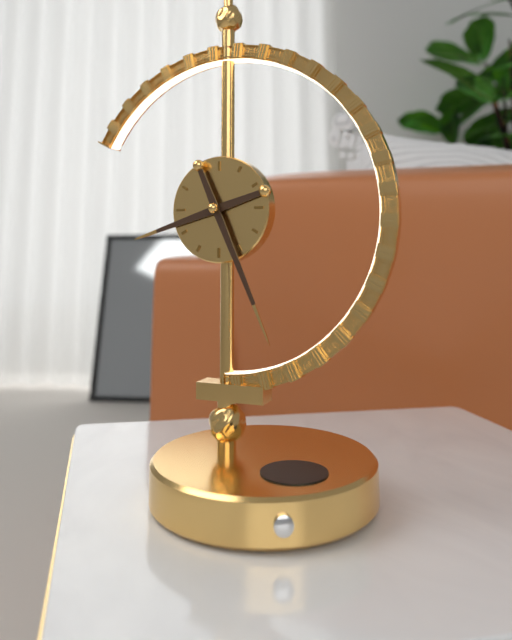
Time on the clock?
8:26
